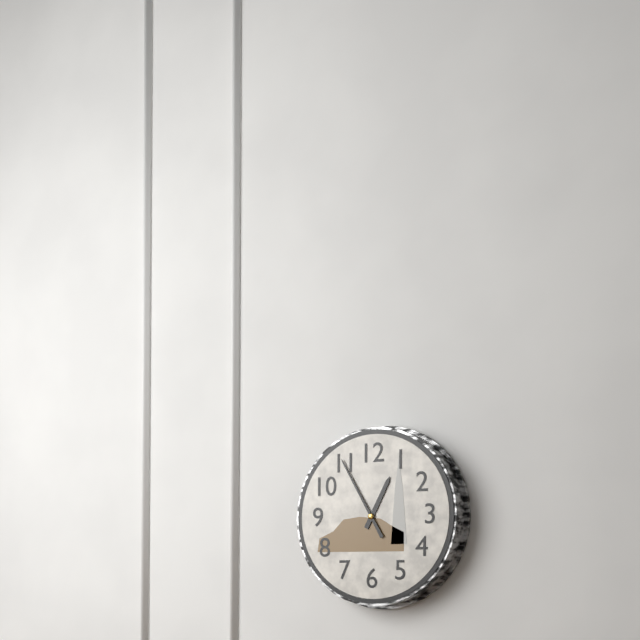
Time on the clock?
12:55
